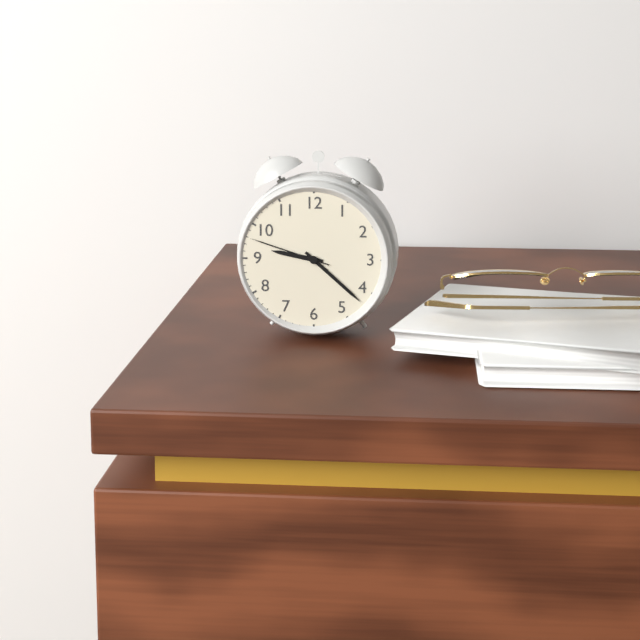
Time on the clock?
9:22:48
